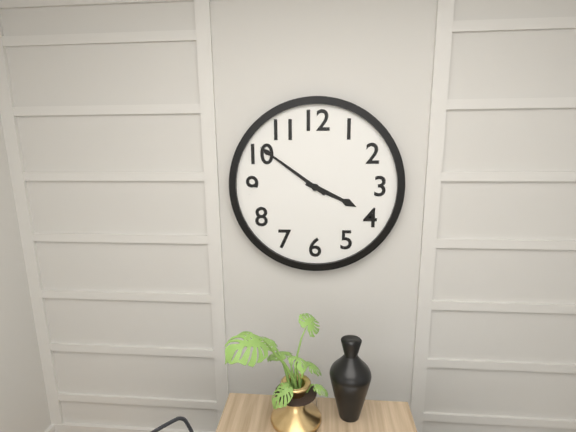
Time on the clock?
3:51
